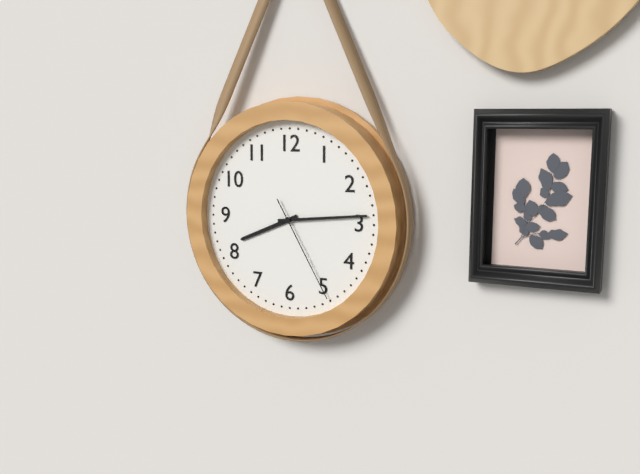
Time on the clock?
8:14:25
